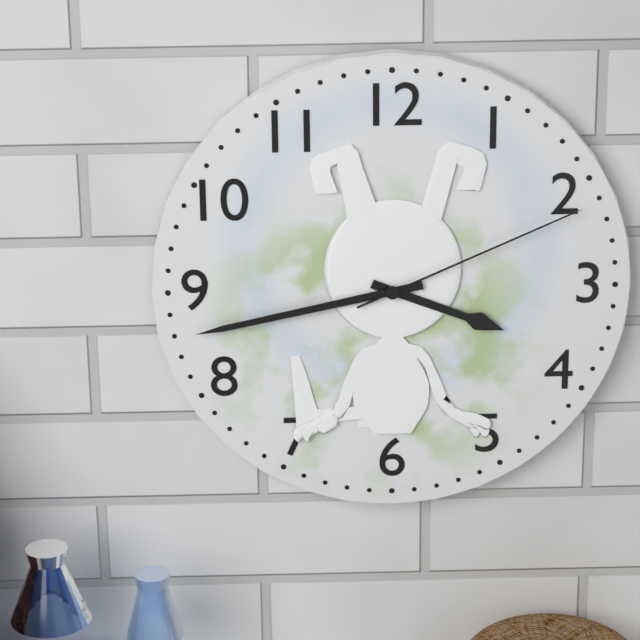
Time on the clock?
3:43:11
